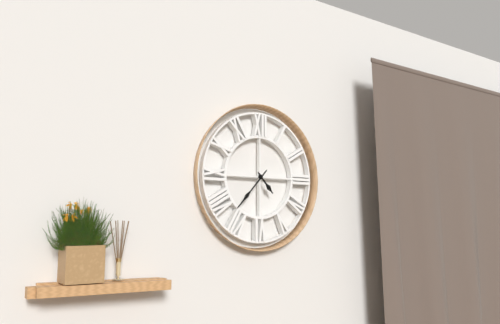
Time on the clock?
4:37
